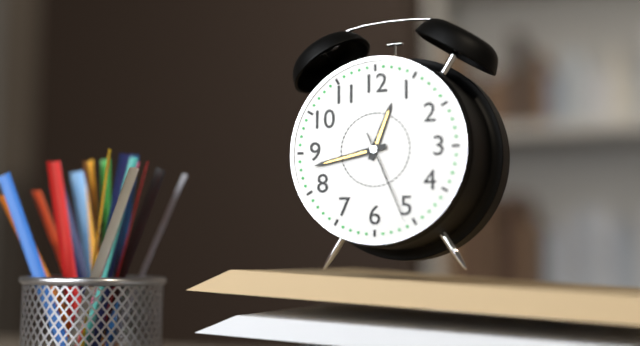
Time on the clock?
12:43:26
